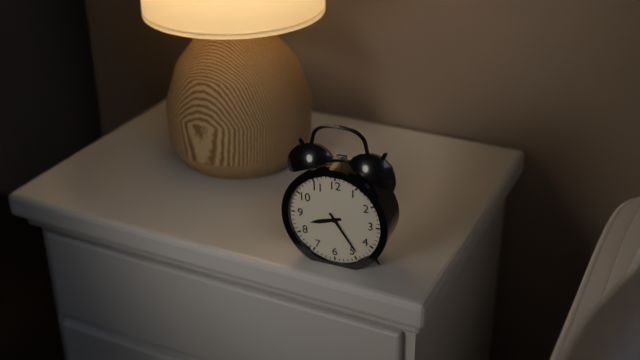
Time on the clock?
8:24
